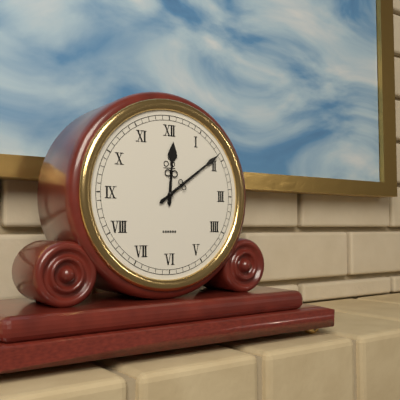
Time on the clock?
12:09
